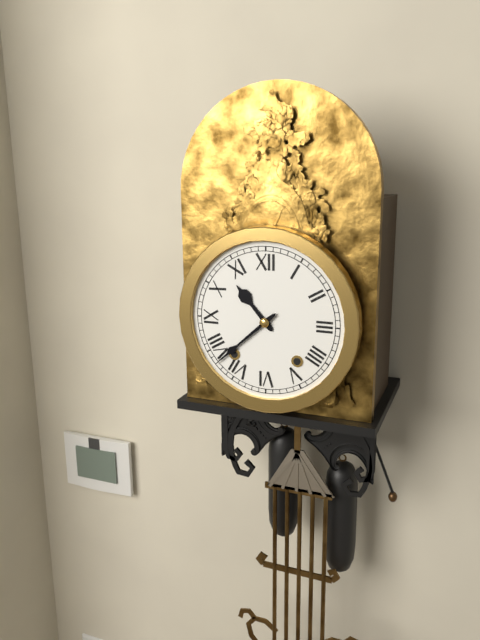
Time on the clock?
10:38
